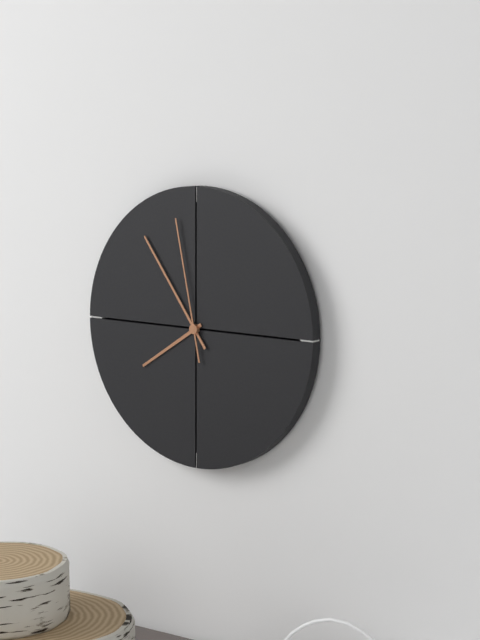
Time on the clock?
7:54:58
